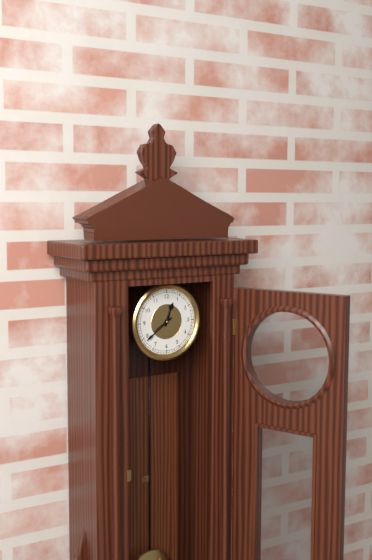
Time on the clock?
12:39
